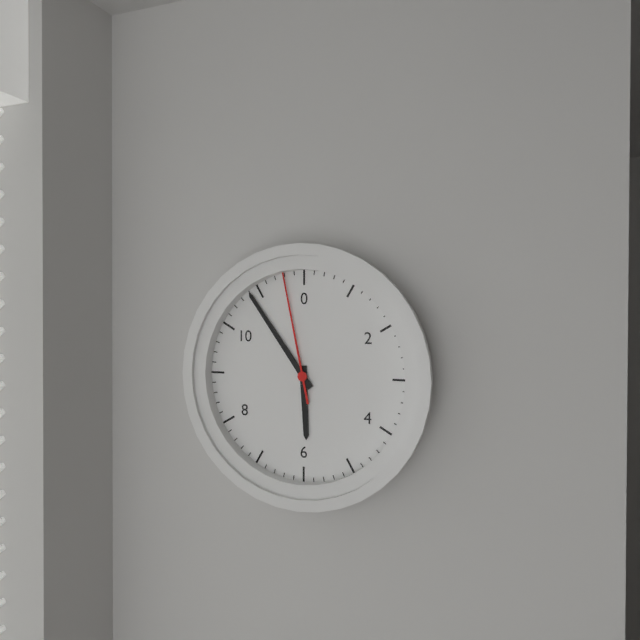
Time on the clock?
5:54:58
